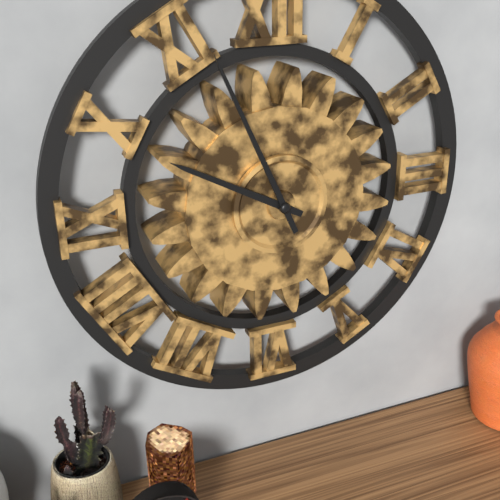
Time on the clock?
9:56
